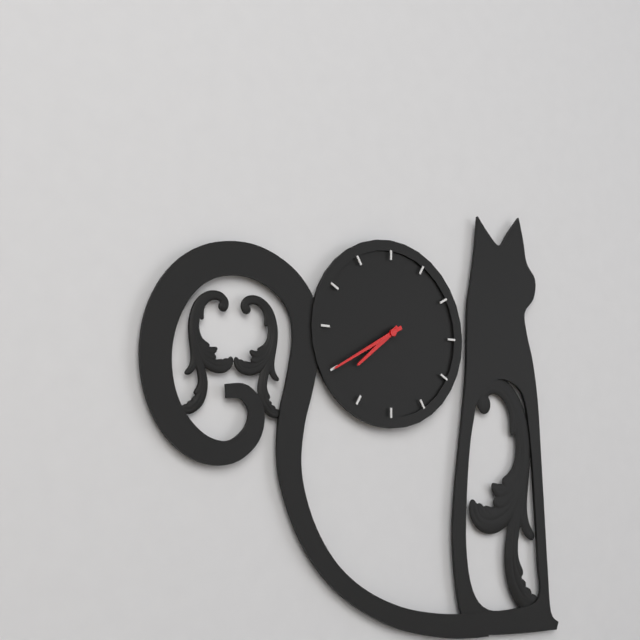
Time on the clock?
7:40
